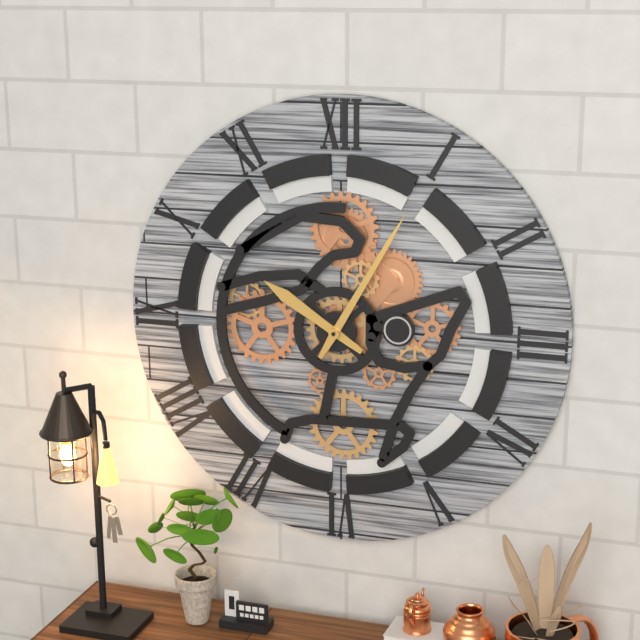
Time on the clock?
10:05
